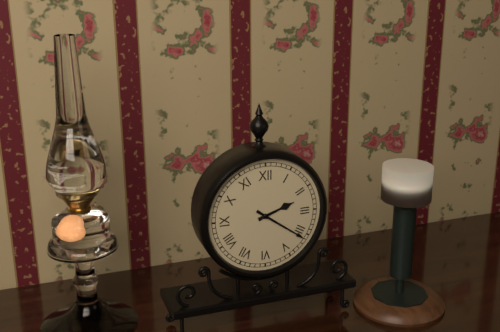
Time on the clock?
2:21
